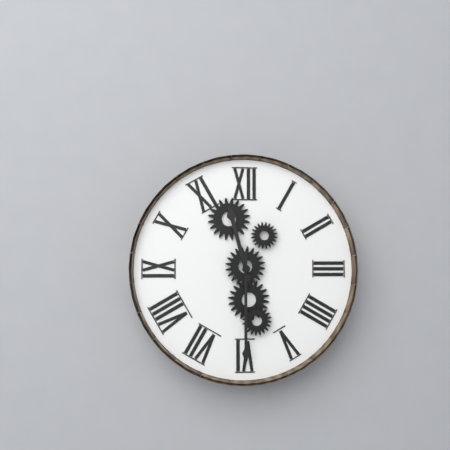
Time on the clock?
11:30
